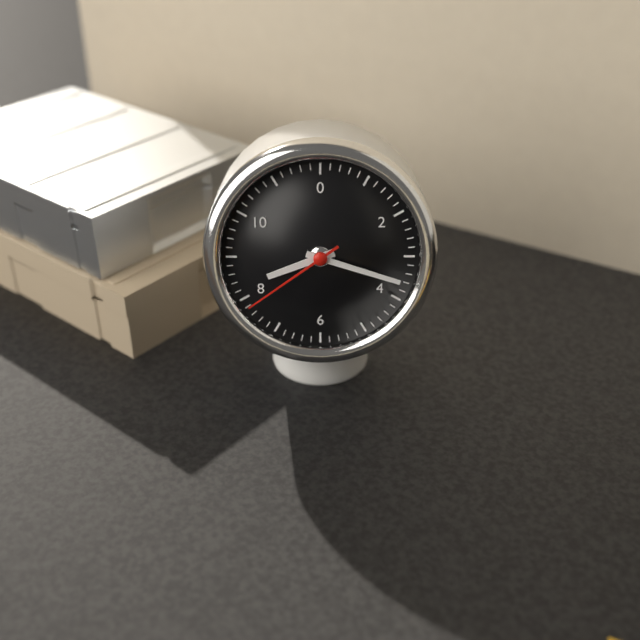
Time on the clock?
8:18:39
